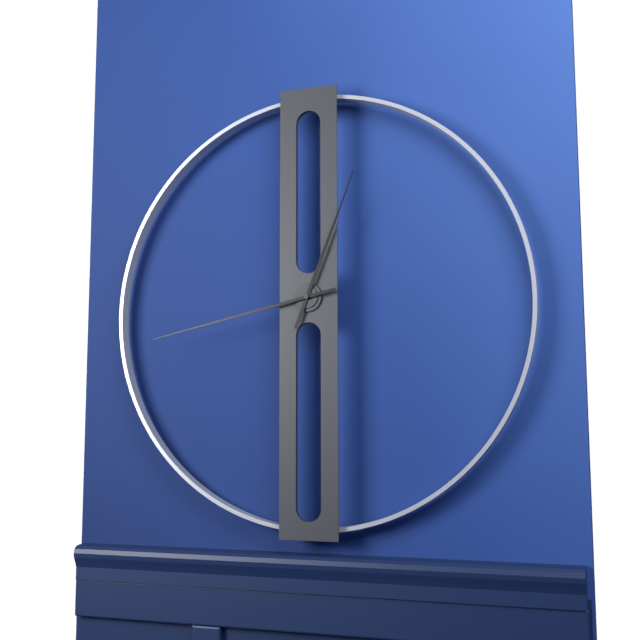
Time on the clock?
12:43
